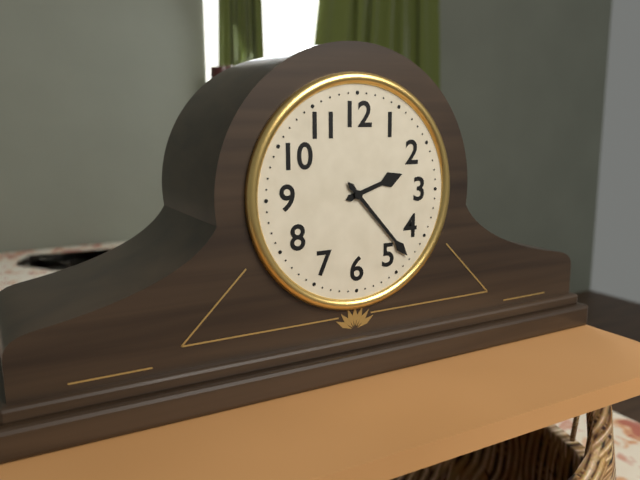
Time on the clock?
2:23
